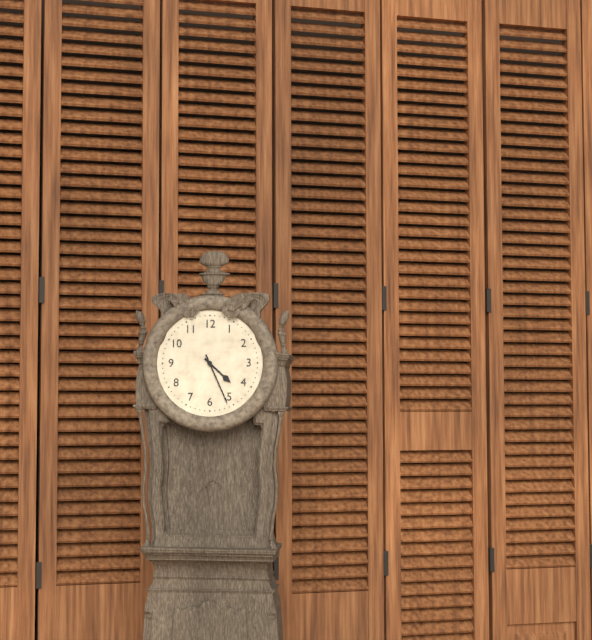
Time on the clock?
4:26
